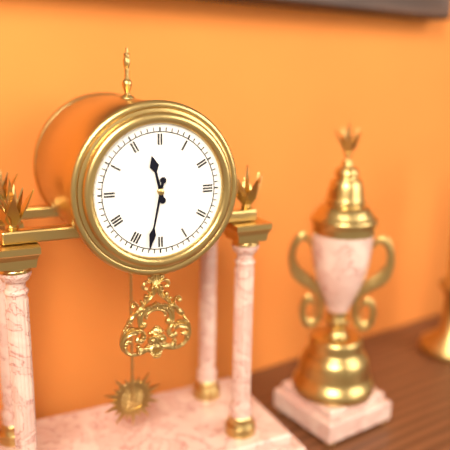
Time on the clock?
11:32
